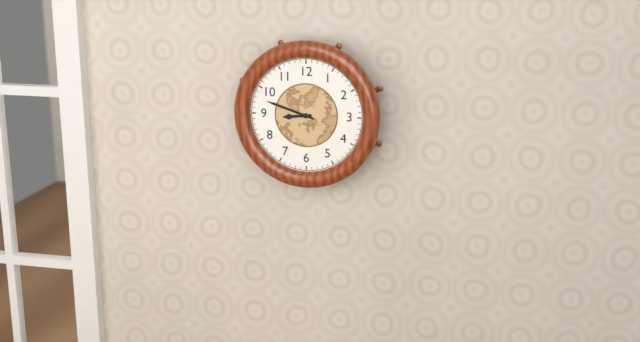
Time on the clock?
8:48
